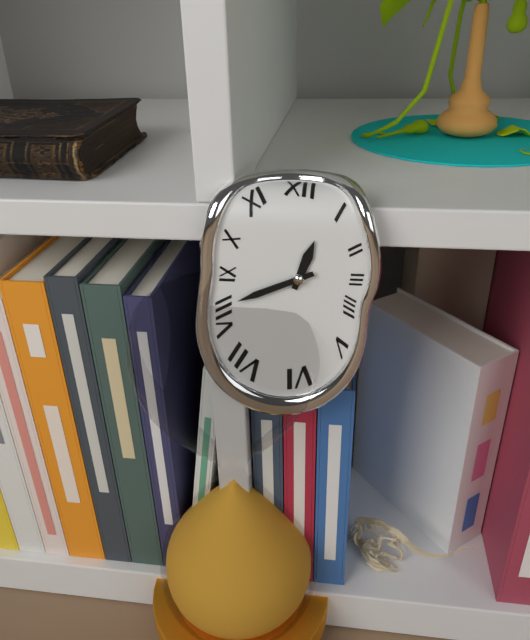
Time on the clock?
12:41
